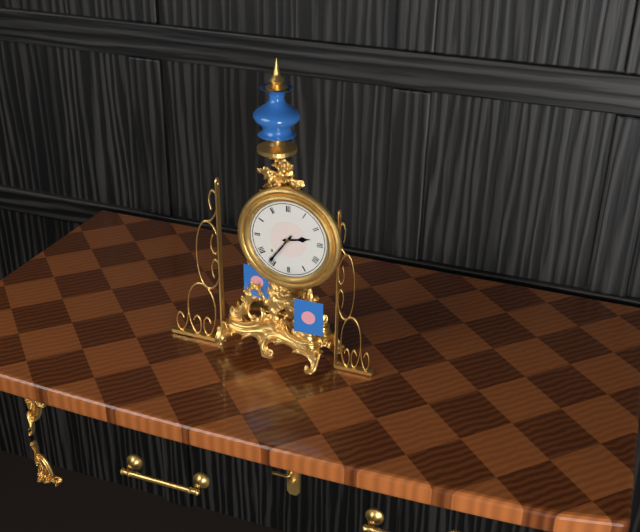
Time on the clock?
2:36
